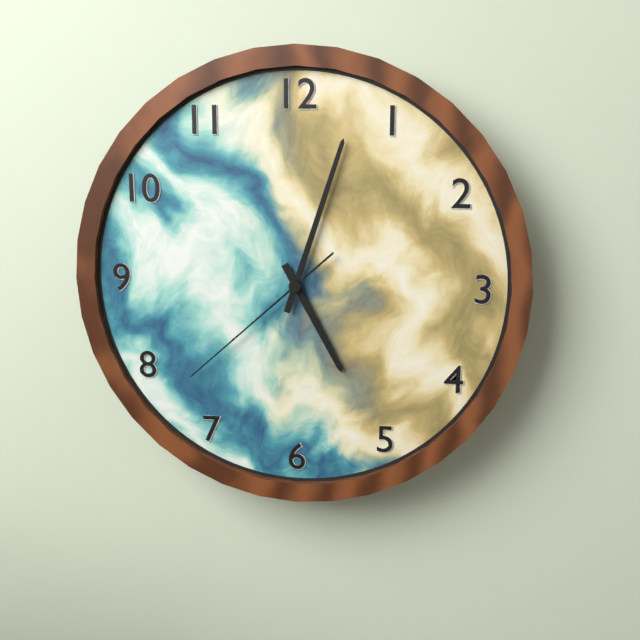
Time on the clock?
5:03:38
